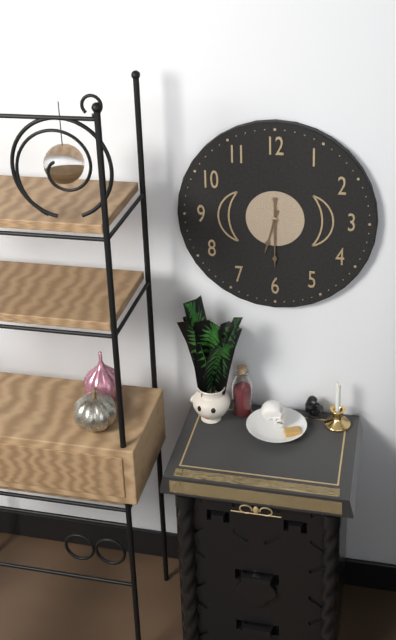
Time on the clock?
6:30
